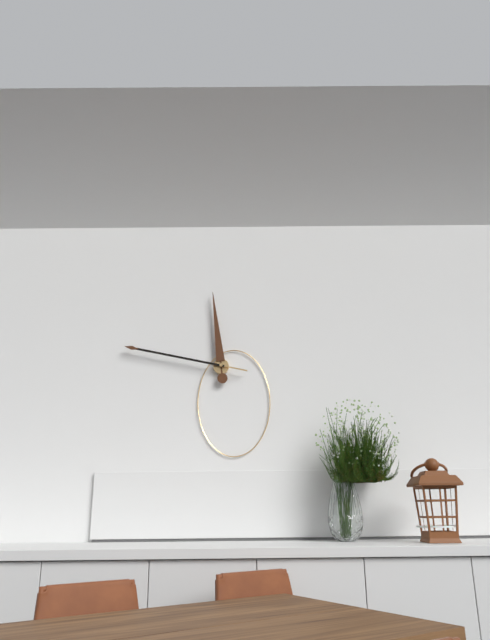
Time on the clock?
11:47
